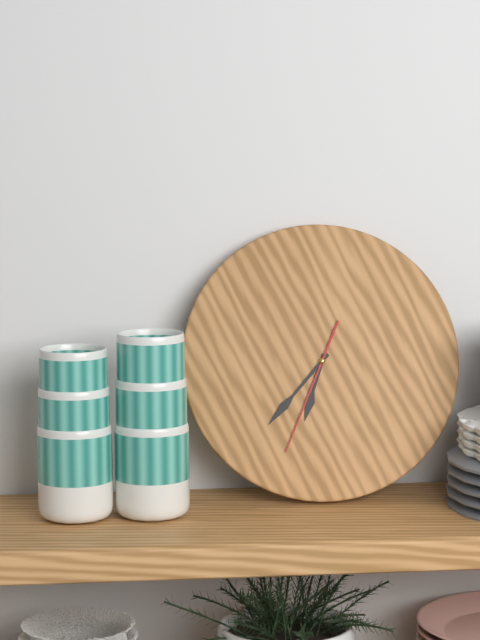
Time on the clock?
6:37:34
